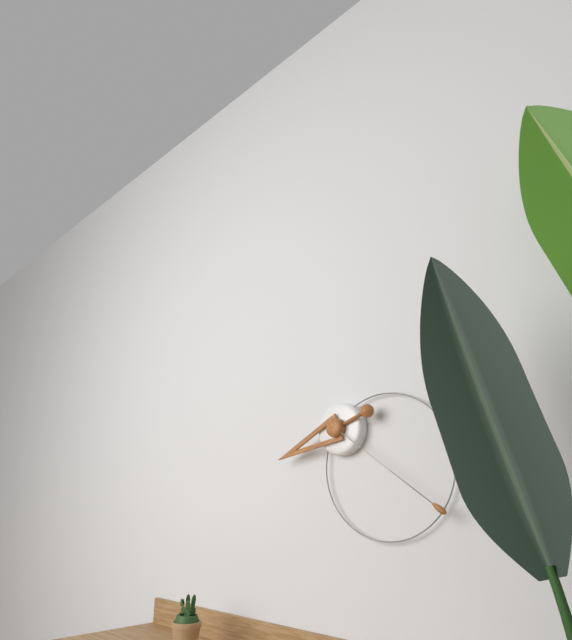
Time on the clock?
8:21
